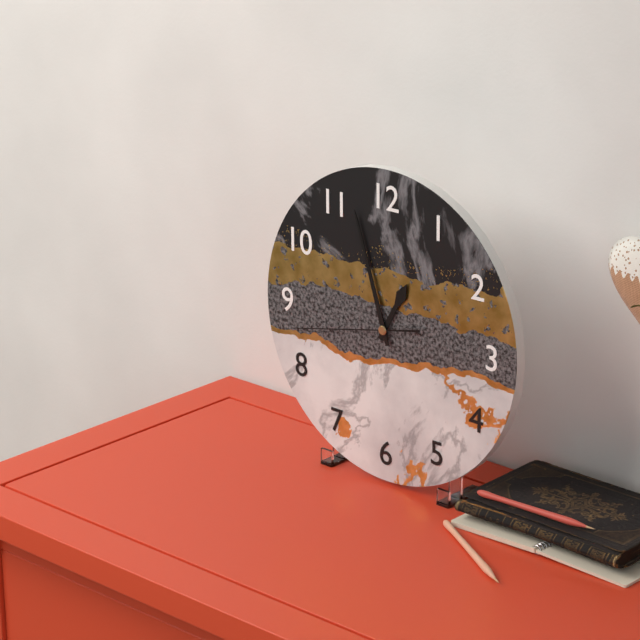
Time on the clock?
12:57:43
